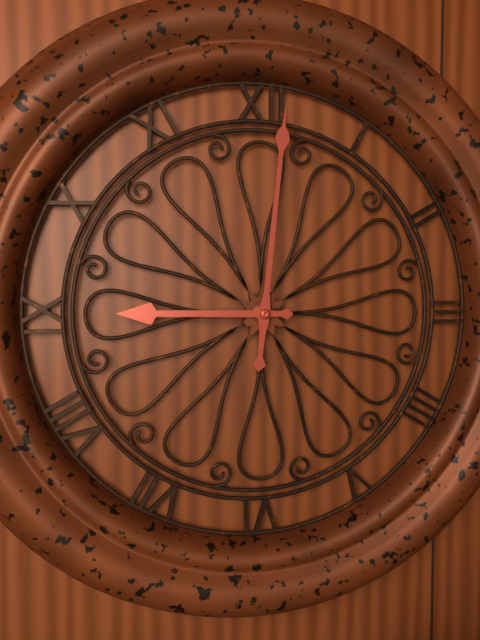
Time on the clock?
9:01
